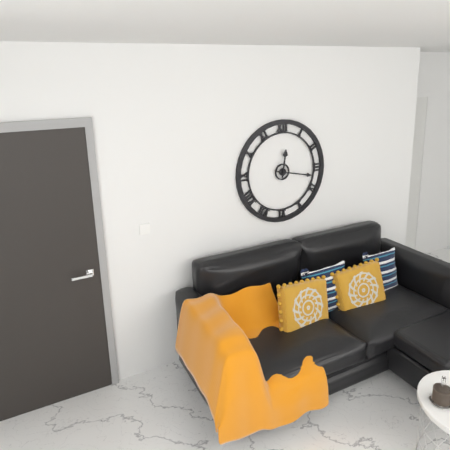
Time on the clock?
12:17
